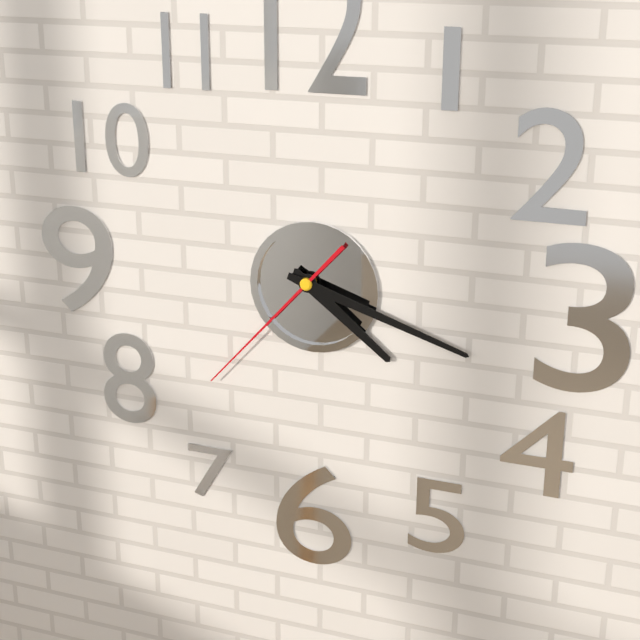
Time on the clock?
4:18:37
